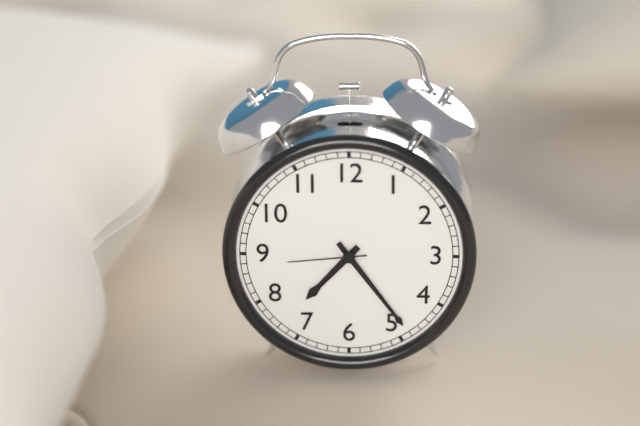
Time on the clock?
7:24:44
